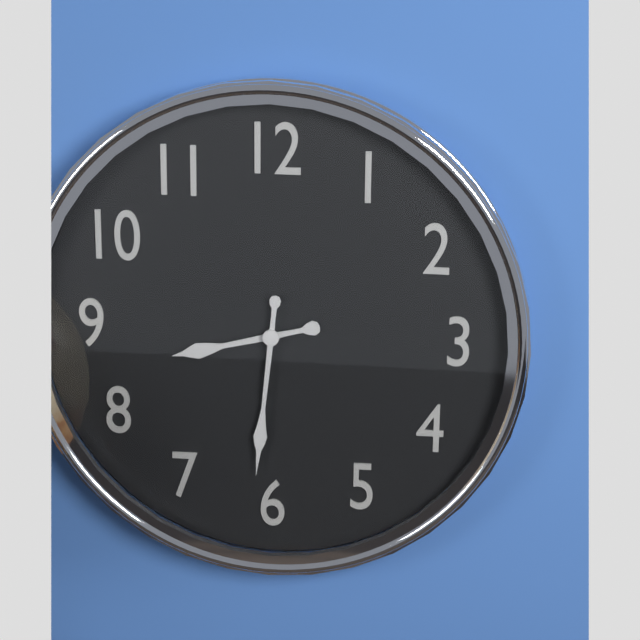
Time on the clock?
8:31
